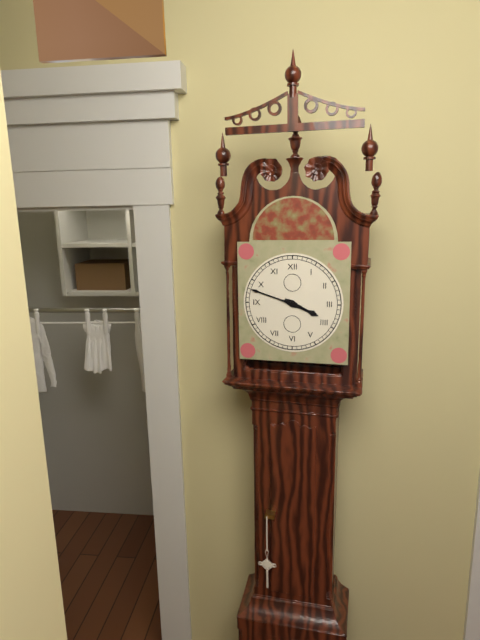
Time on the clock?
3:48
